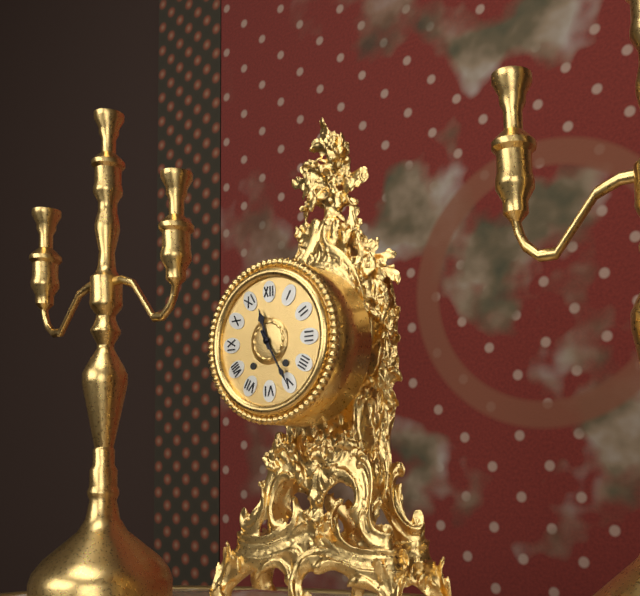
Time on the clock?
11:25
